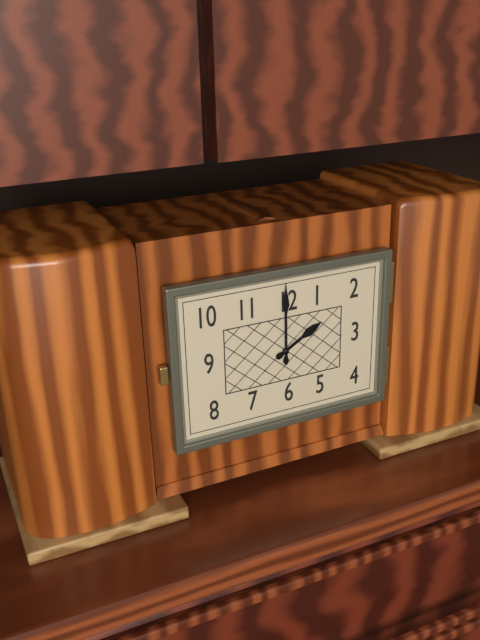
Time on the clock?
2:00
